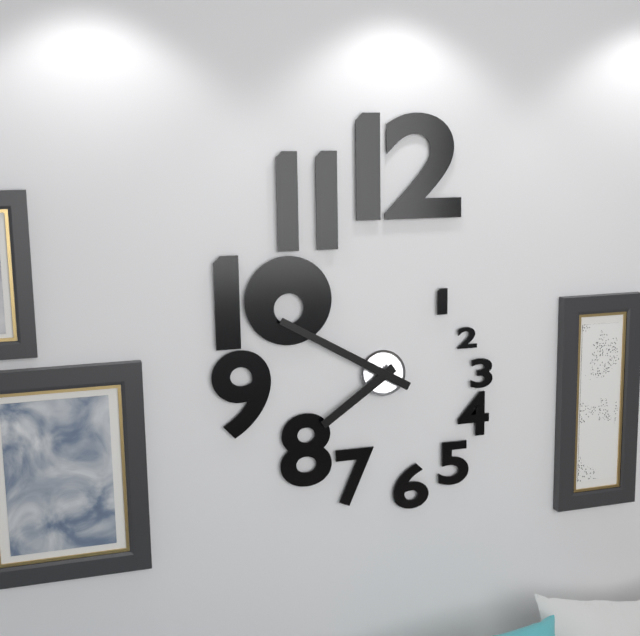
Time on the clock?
7:50
